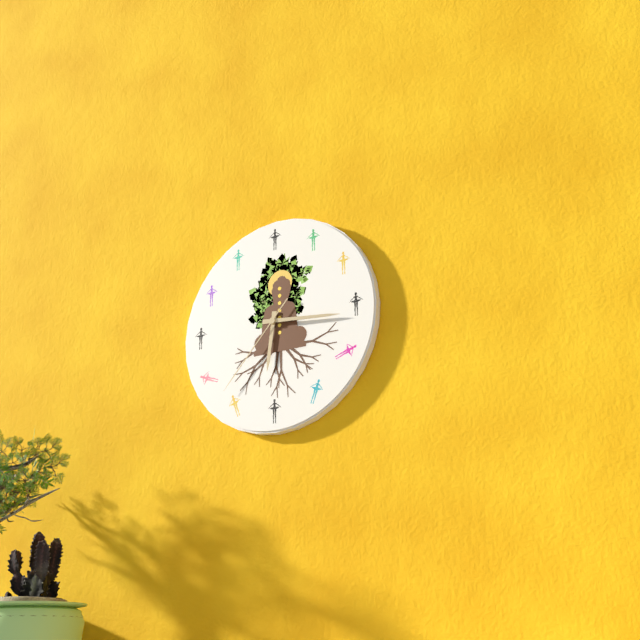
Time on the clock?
6:16:37
